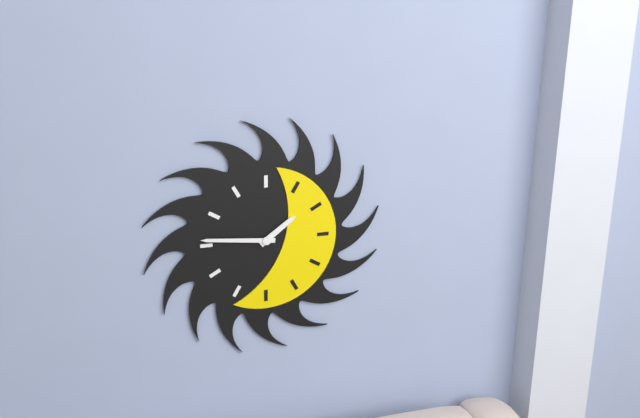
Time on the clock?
1:46
